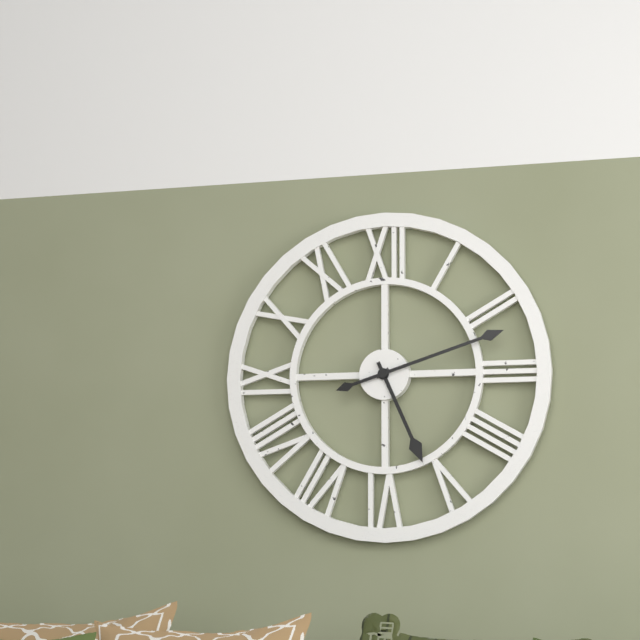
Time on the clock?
5:12
